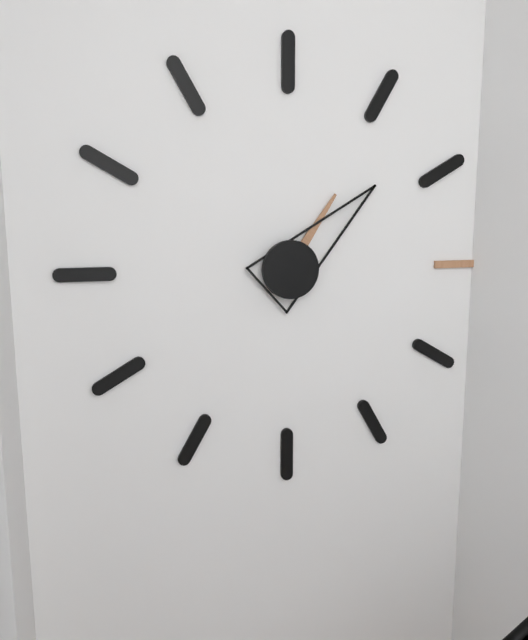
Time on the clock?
1:08
